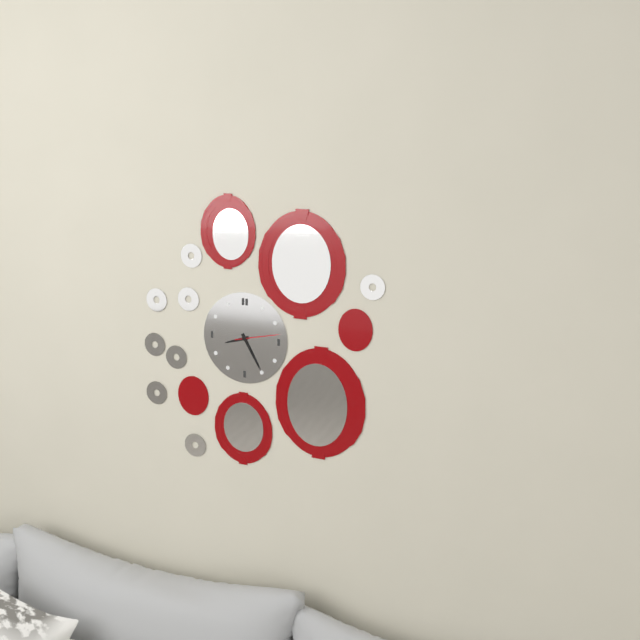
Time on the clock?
8:25
